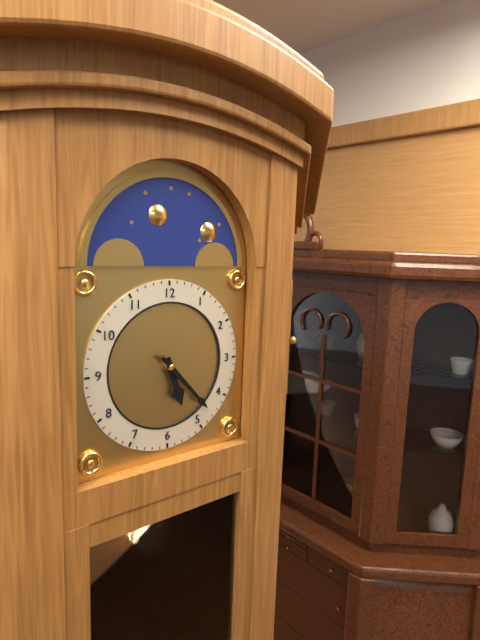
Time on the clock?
5:23
